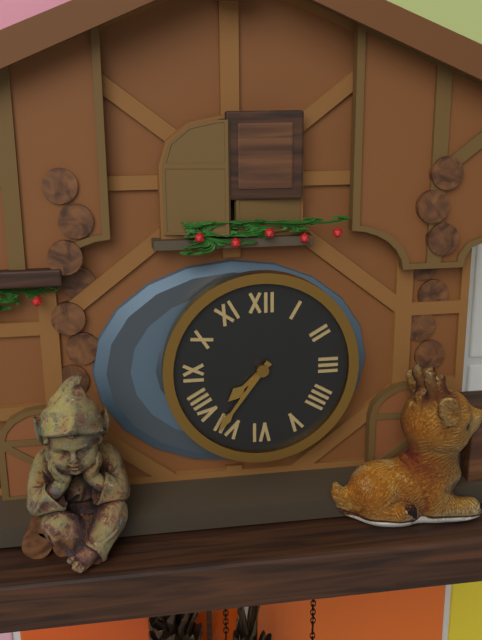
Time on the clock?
7:36
